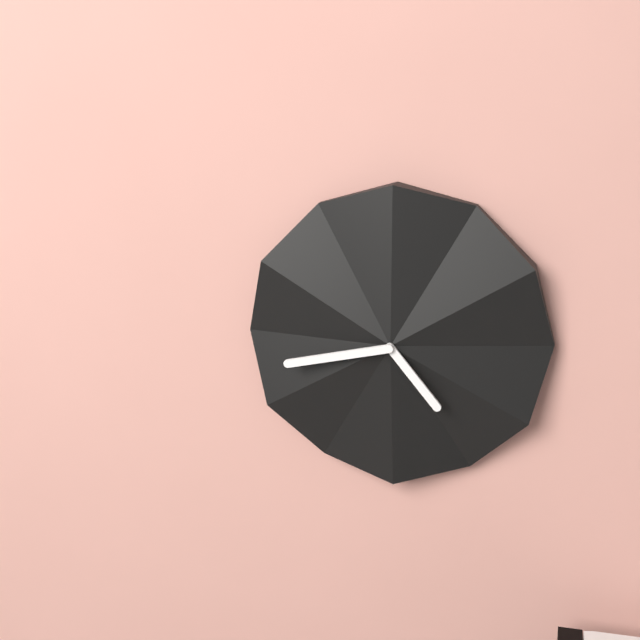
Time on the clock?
4:43
